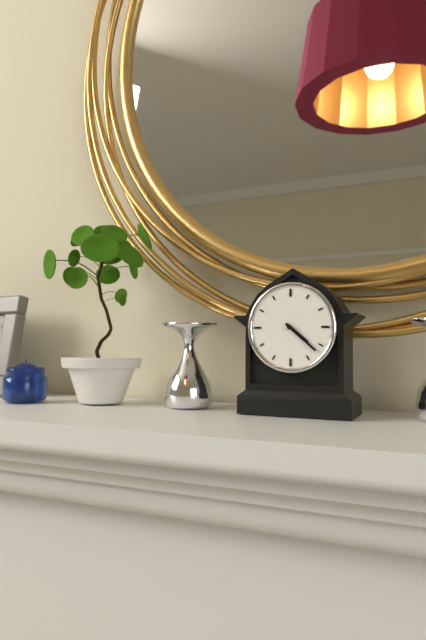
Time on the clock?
4:22
